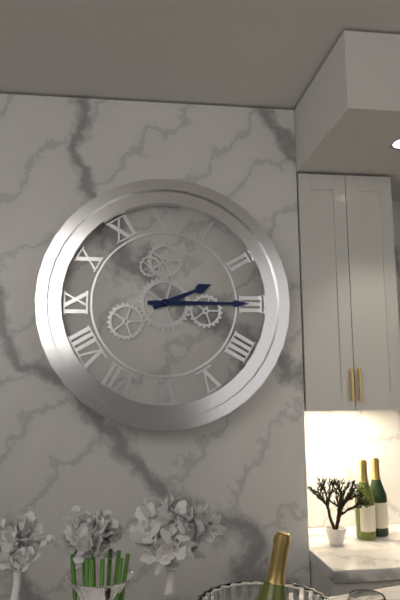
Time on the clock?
2:15
